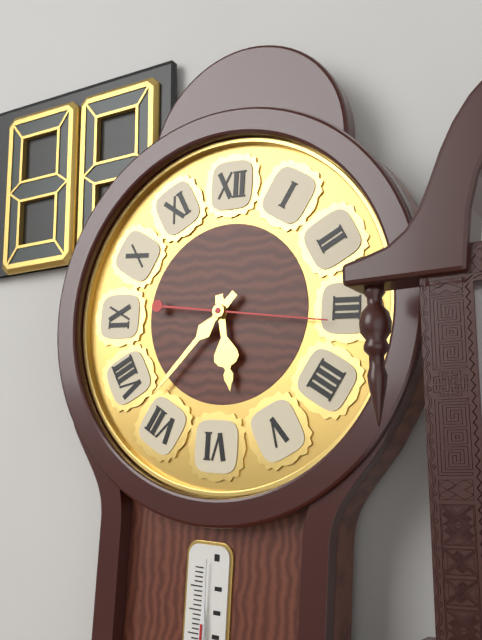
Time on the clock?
5:37:16
